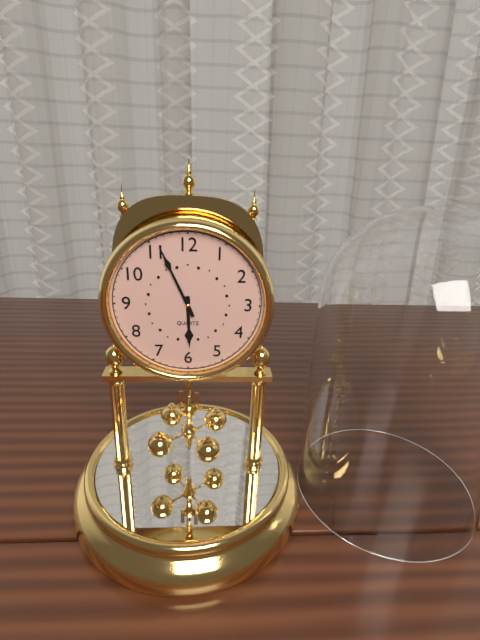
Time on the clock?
5:56
